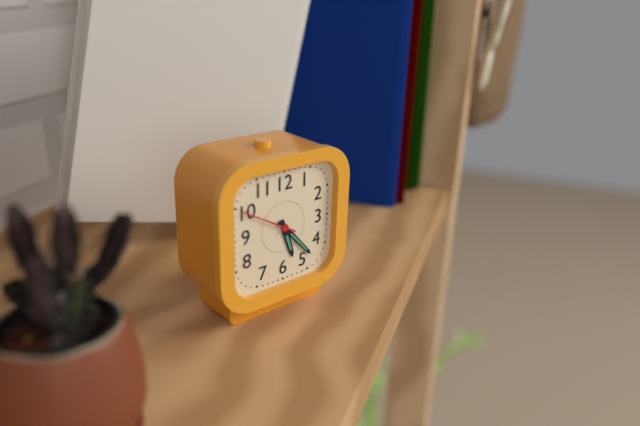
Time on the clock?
5:23
